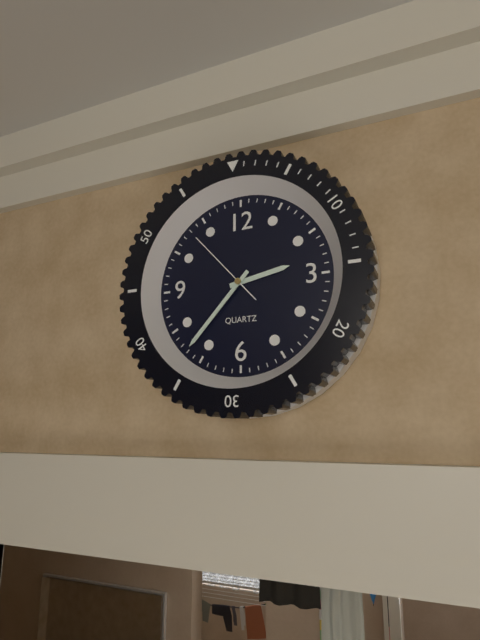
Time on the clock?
2:37:53
